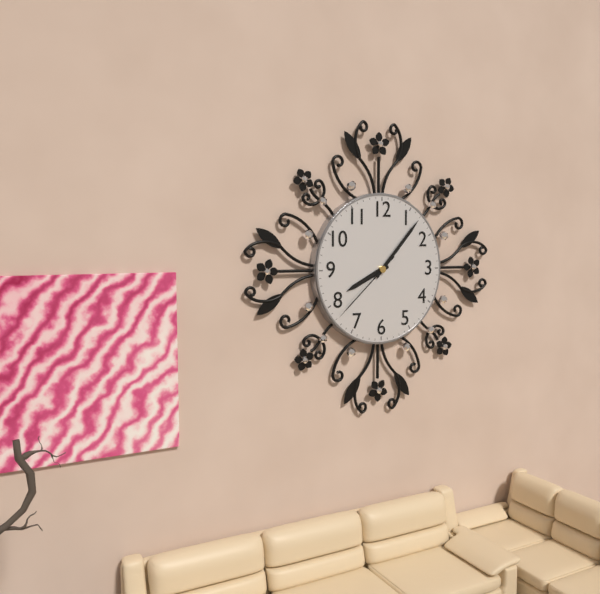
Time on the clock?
8:07:38
